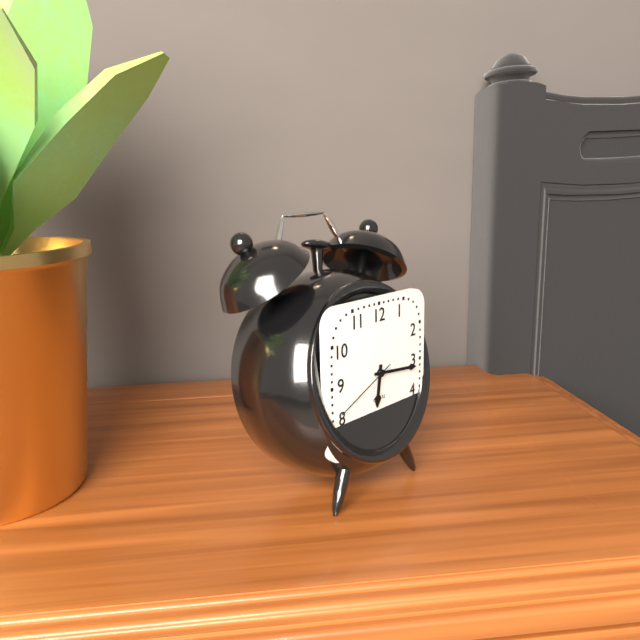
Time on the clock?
6:16:41
